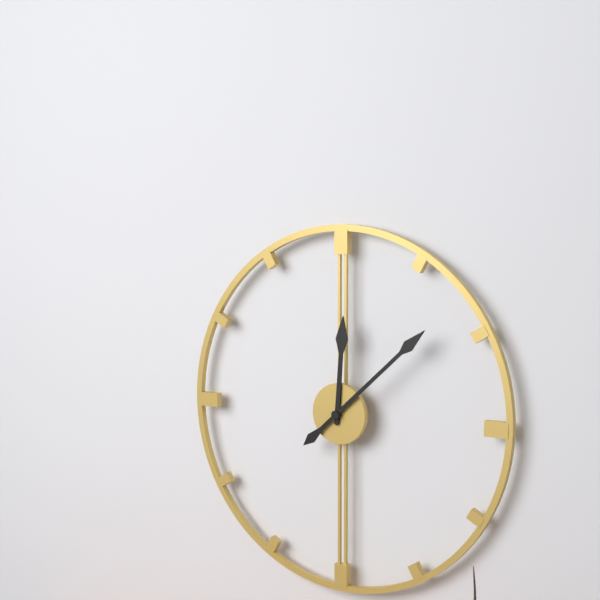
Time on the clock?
12:08
